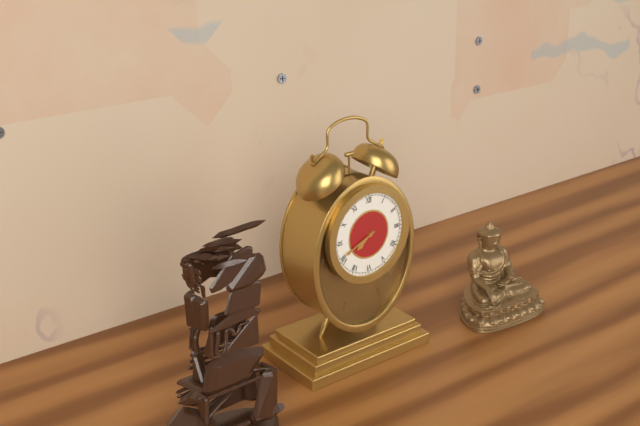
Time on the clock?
7:41
